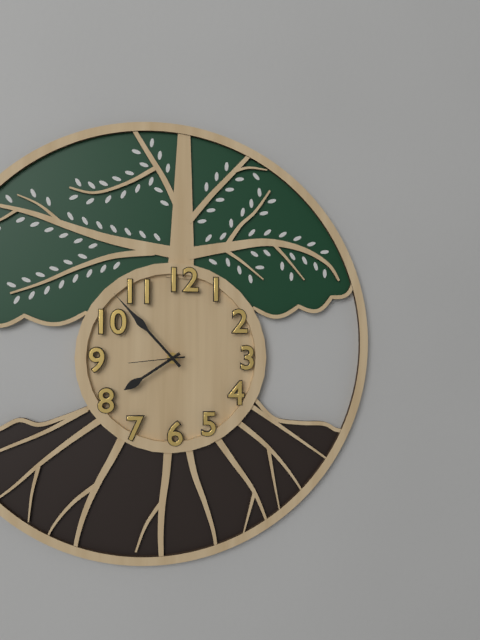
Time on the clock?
7:53:44
